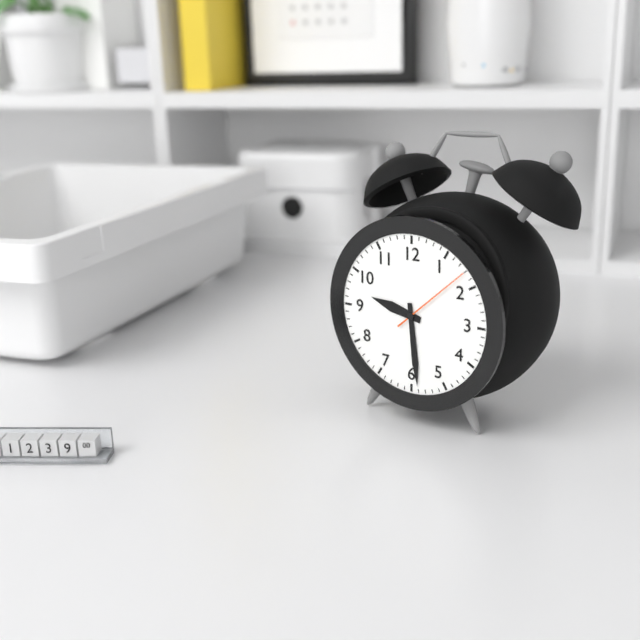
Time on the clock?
9:29:08
